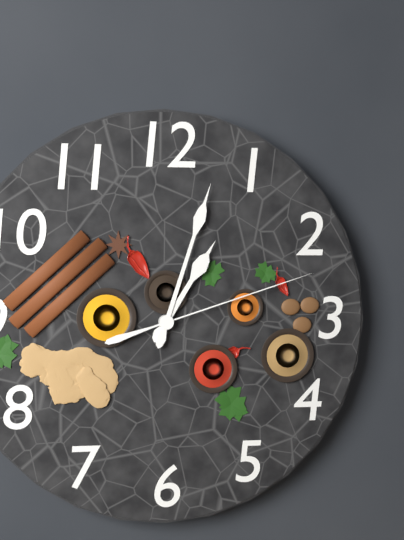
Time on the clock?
1:03:12
